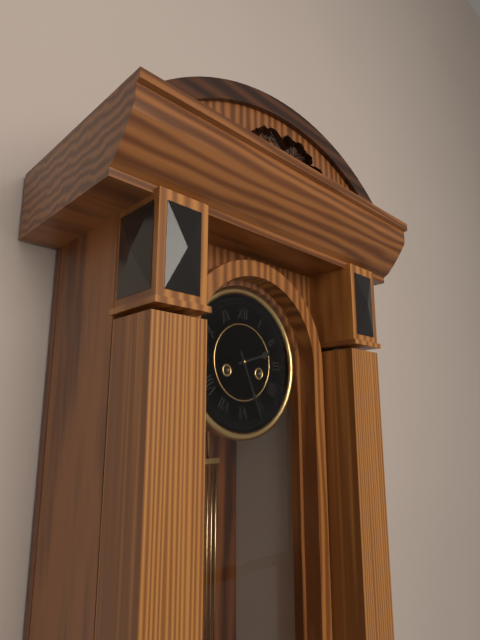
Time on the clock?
2:26
